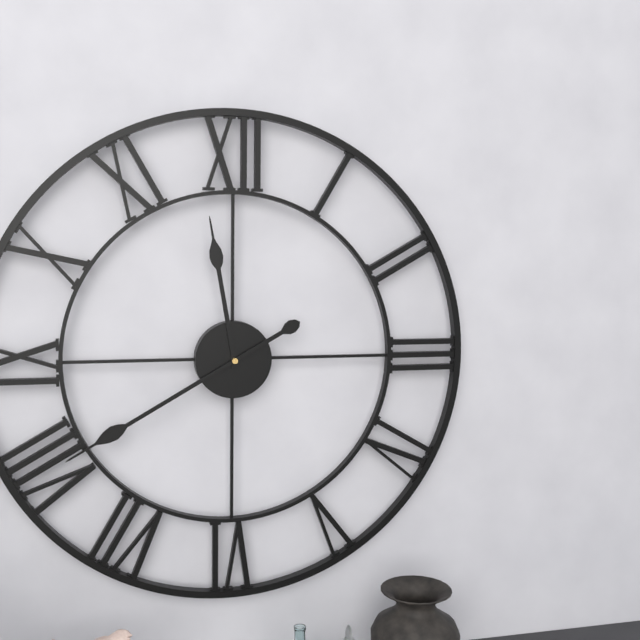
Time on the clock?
11:40
